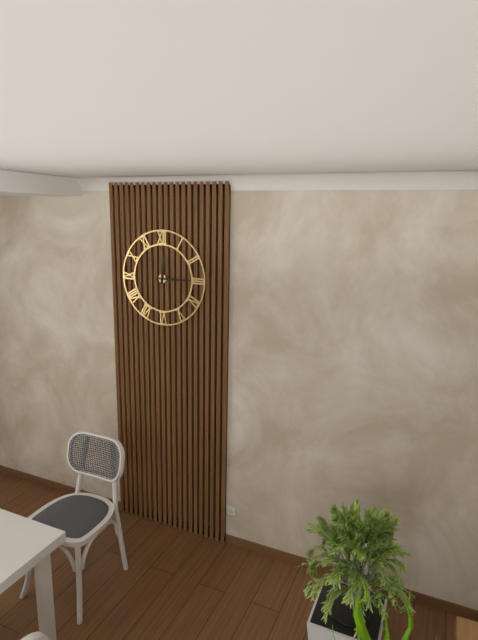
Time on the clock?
12:15
